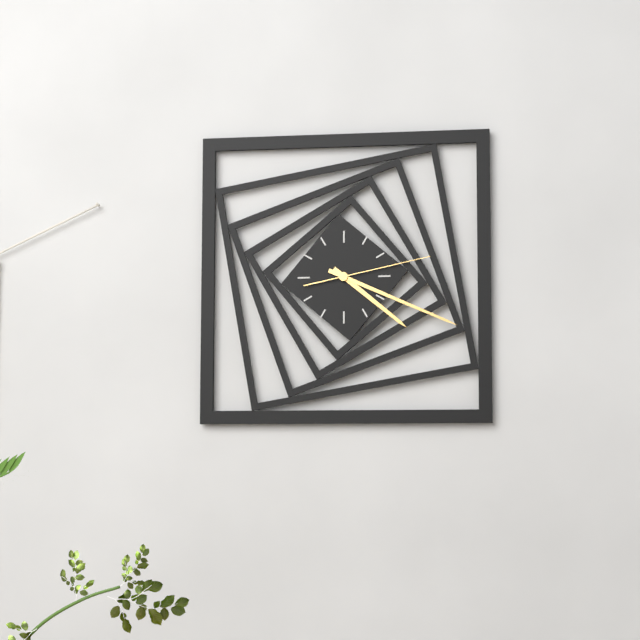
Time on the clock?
4:19:13
